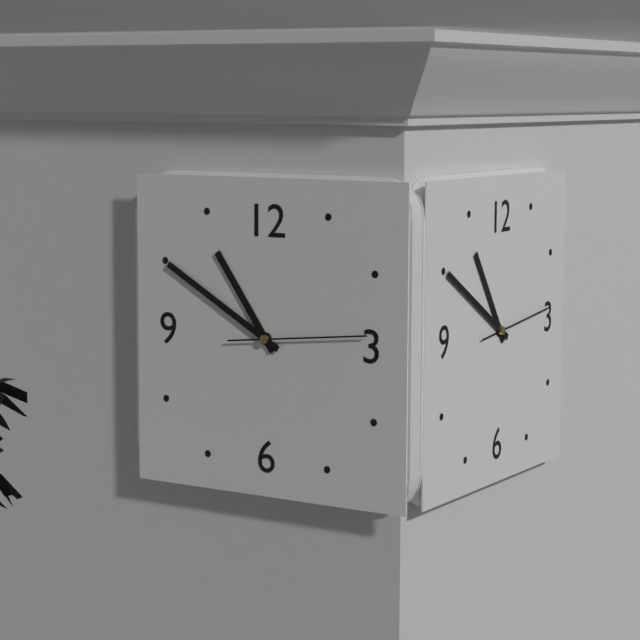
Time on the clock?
10:50:14
